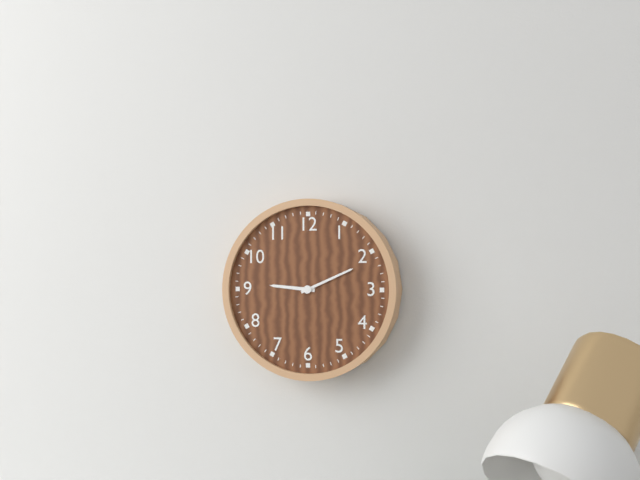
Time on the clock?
9:11
